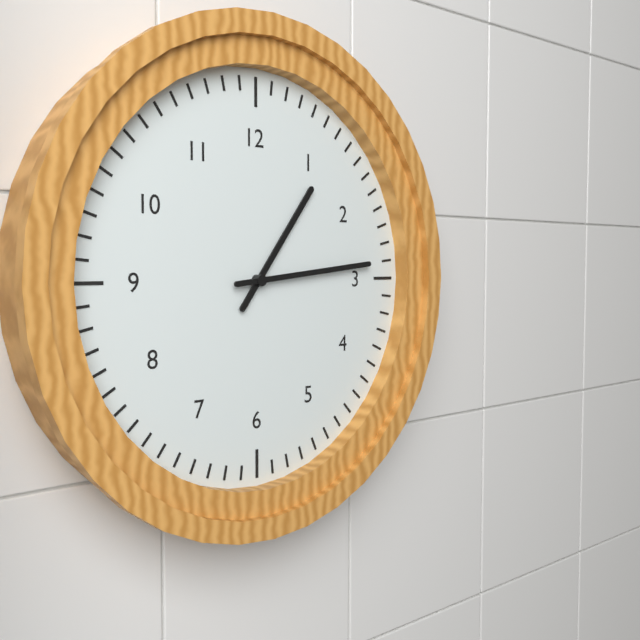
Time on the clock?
1:14
